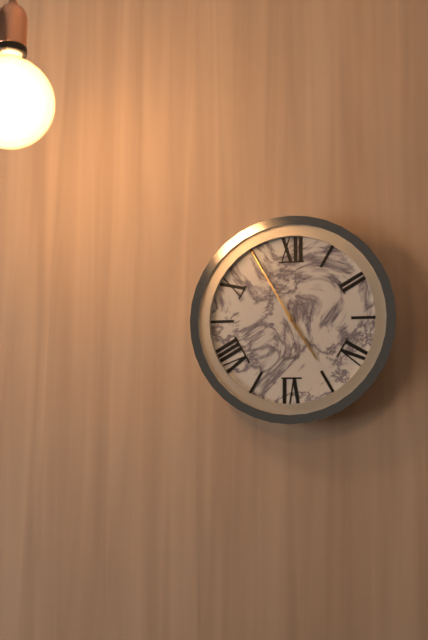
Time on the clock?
4:55
